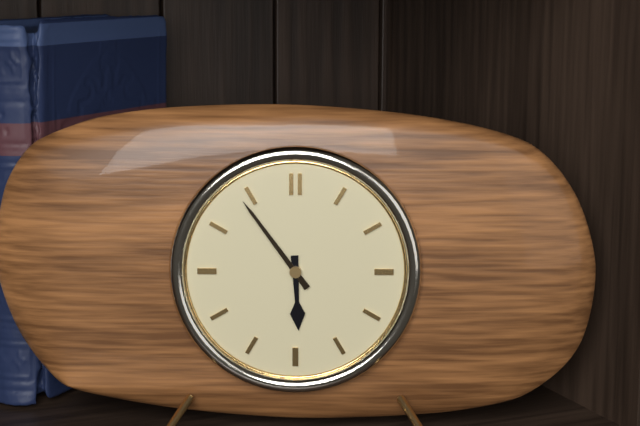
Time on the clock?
5:54
